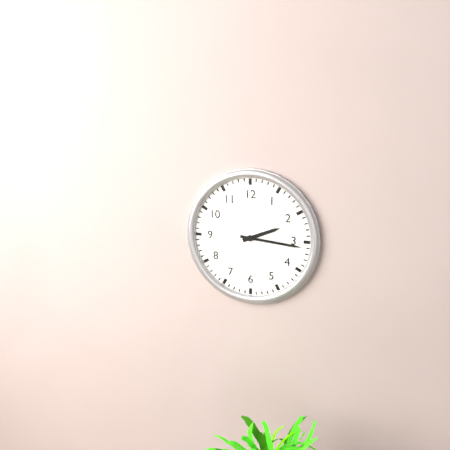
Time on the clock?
2:16
